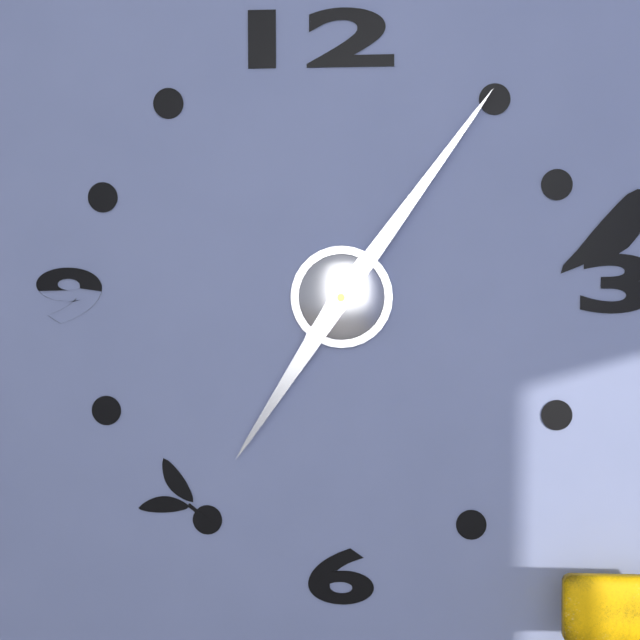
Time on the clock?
7:06
